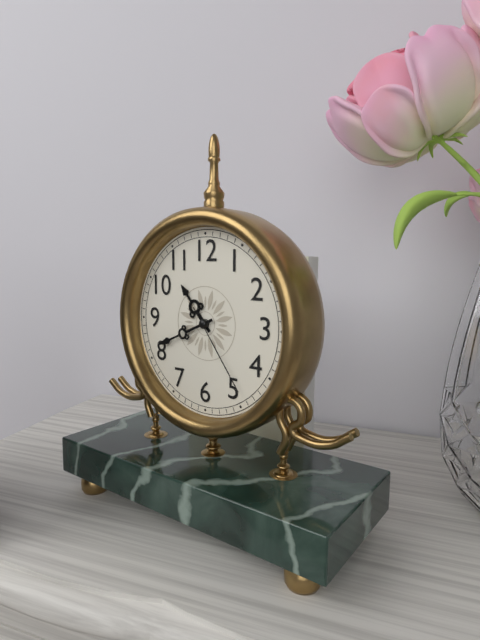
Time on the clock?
10:41:24
